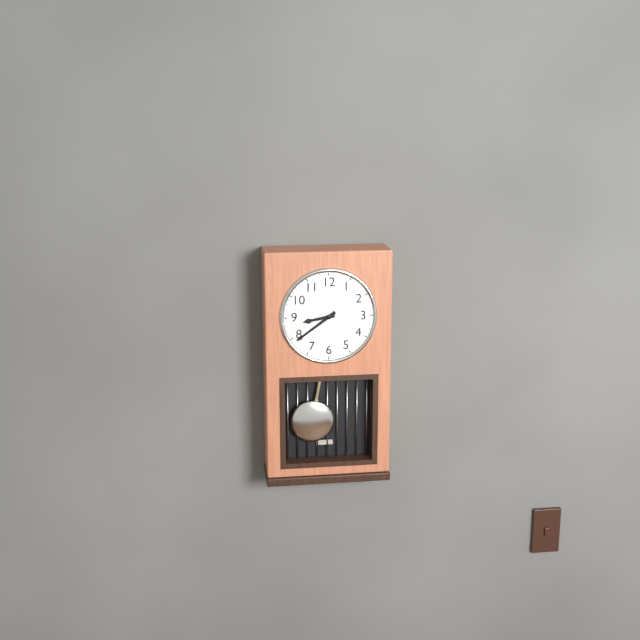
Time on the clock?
8:39
